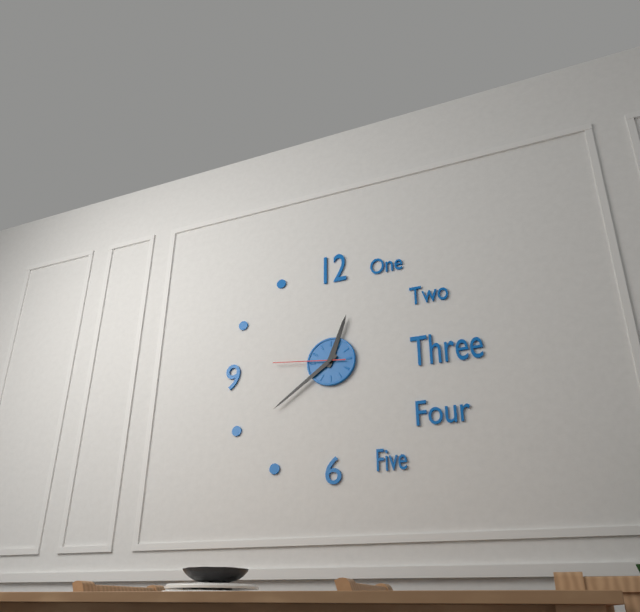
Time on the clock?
12:39:46
